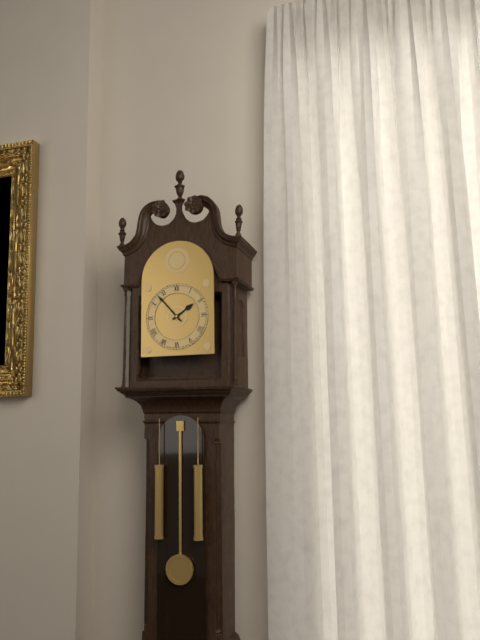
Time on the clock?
1:53
